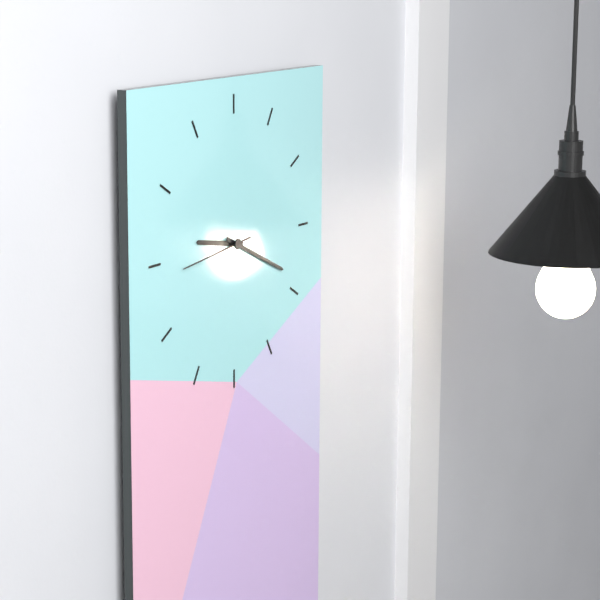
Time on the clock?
9:19:44
